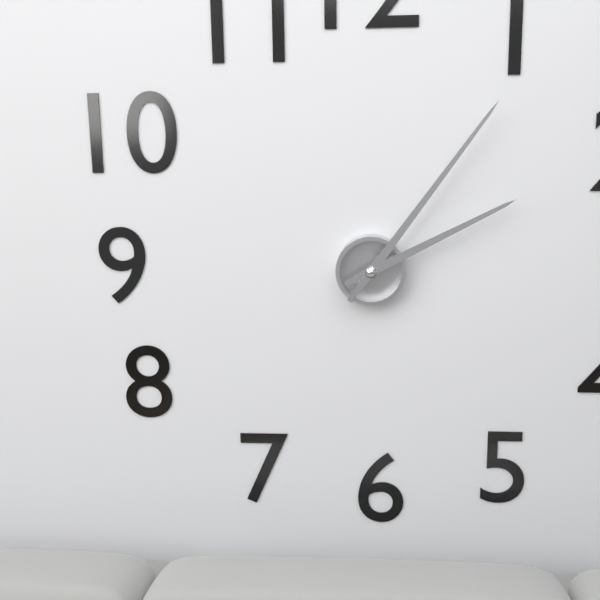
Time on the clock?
2:06
